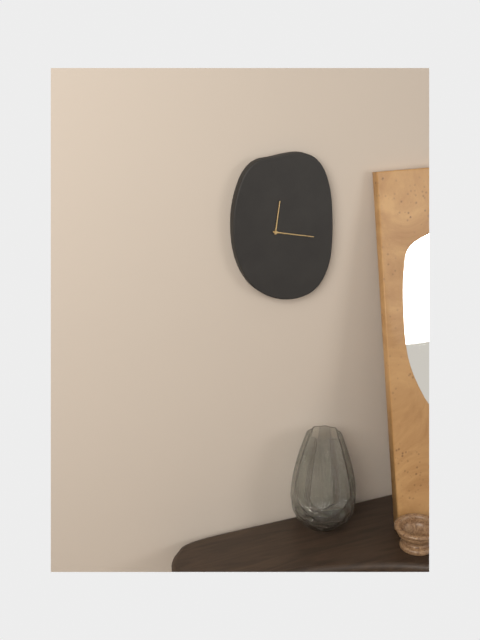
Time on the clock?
12:17
